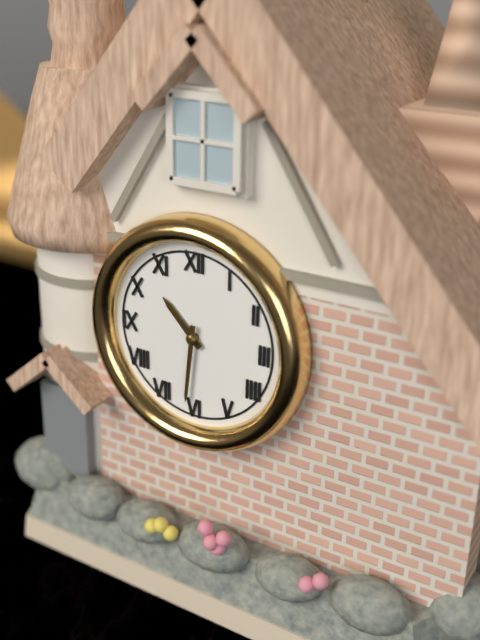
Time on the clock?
10:31
